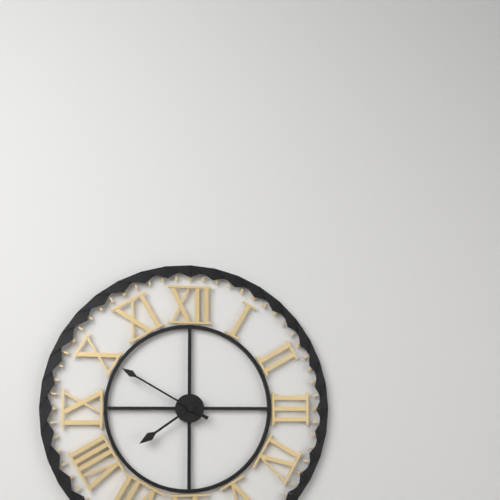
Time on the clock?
7:50
